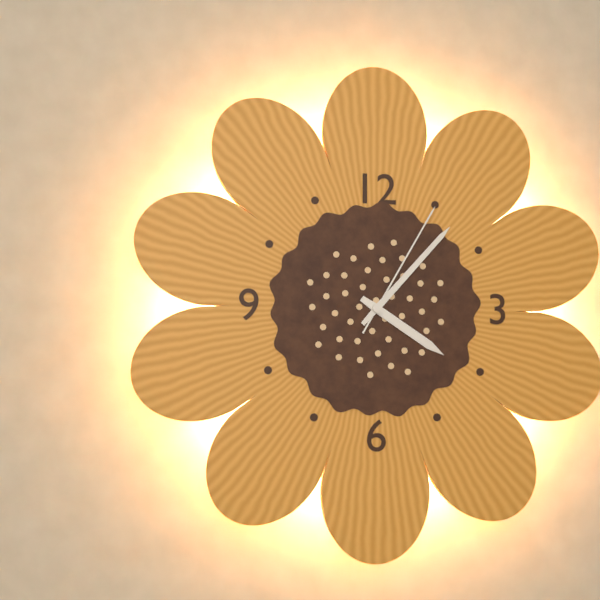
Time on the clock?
4:07:05
